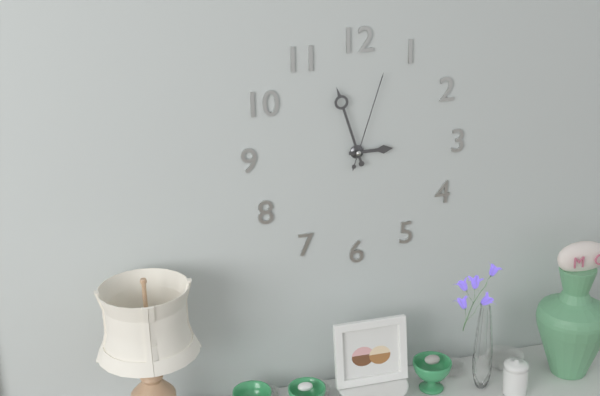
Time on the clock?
2:57:03
